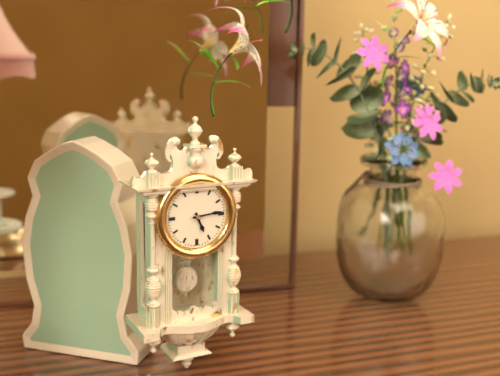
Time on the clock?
5:14
